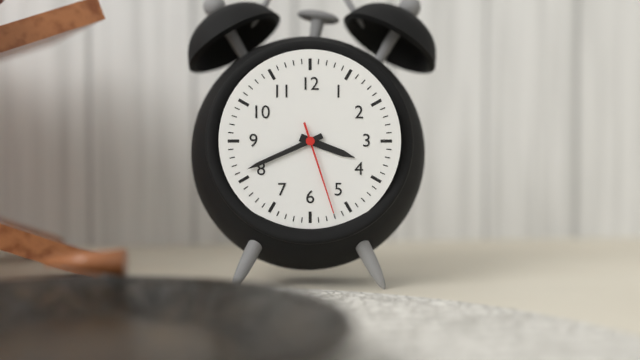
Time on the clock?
3:41:27
